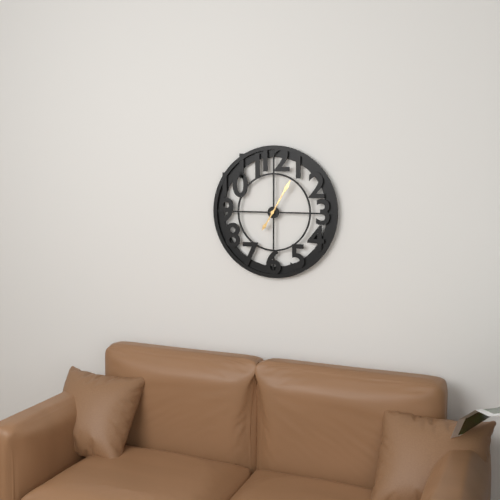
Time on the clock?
7:05
